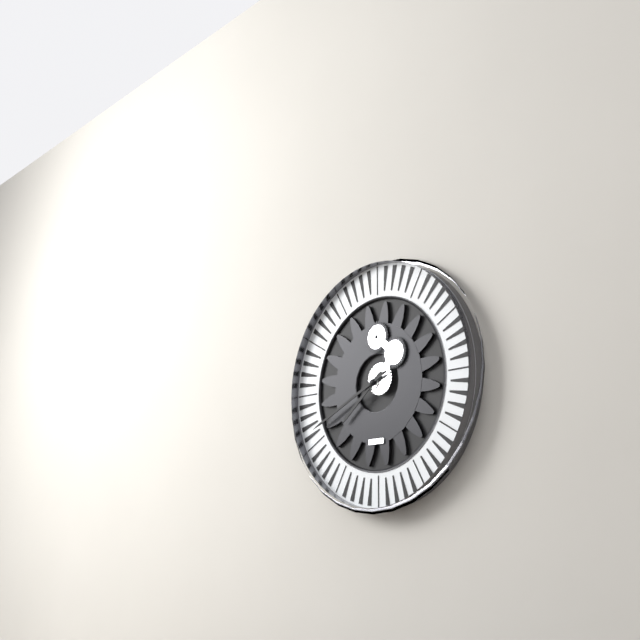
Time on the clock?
7:41
